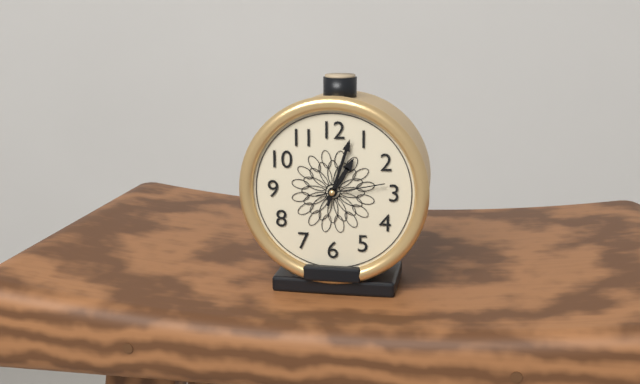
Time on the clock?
1:03:13
